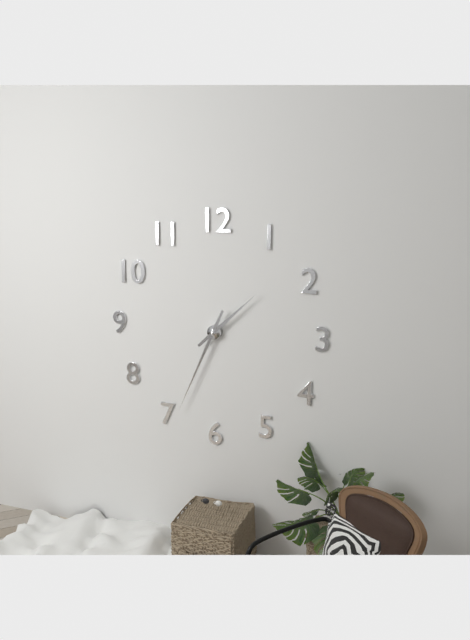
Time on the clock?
1:34
